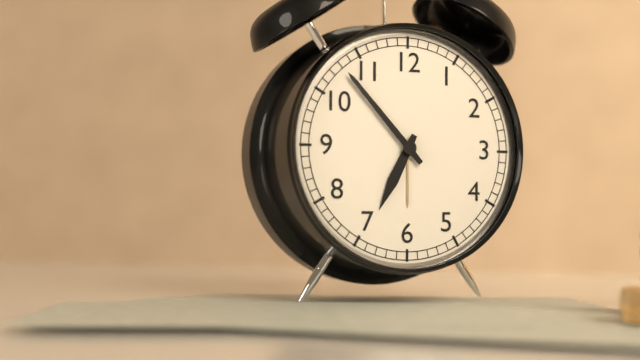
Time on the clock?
6:53
